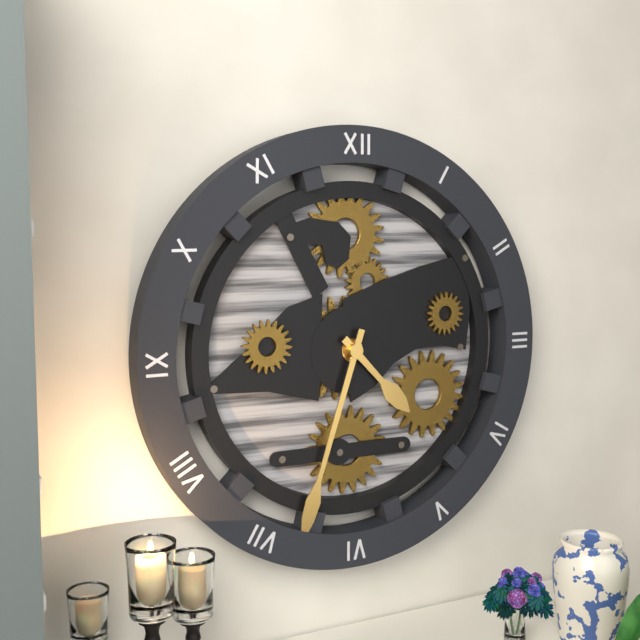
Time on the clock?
4:33
